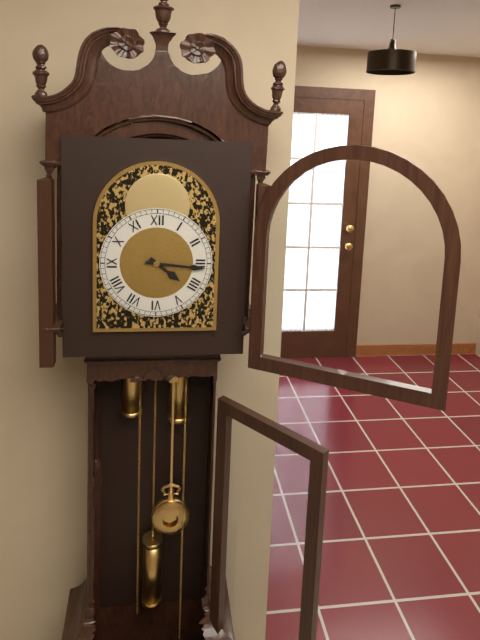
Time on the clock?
4:16
